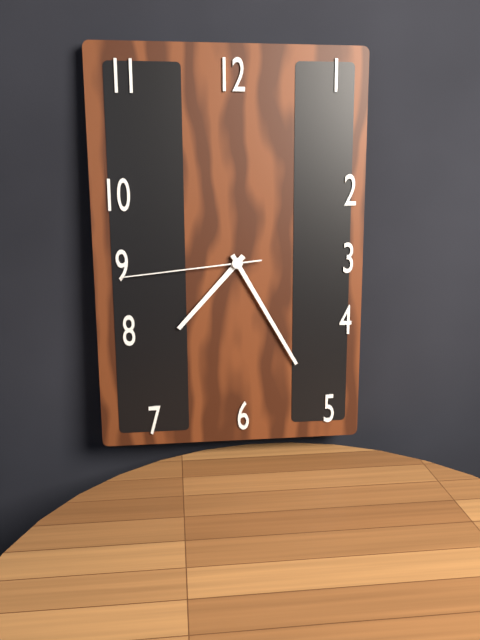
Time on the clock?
7:25:44
